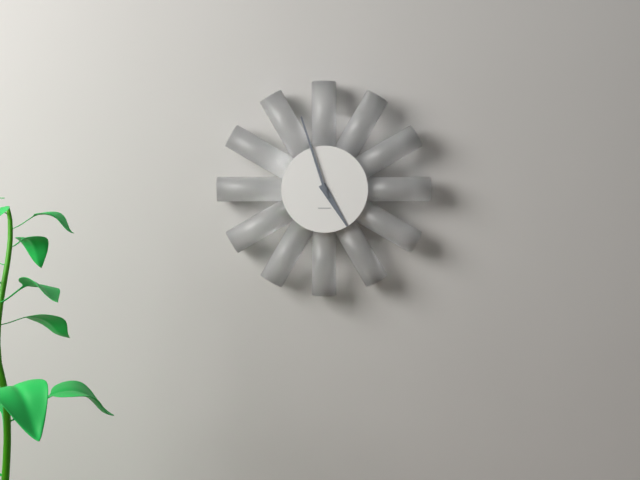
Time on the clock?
4:57
